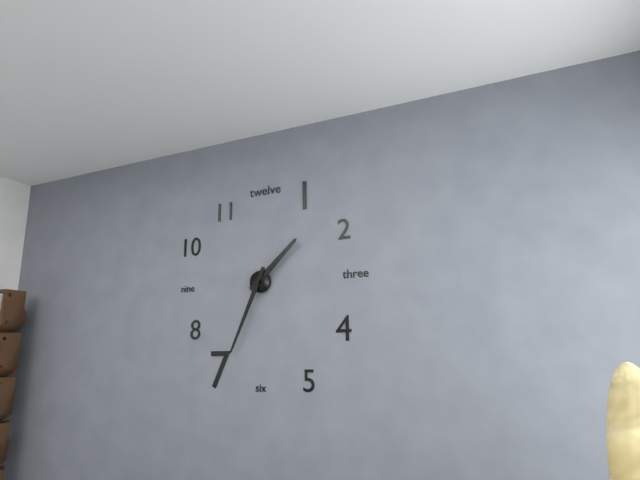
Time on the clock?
1:34
